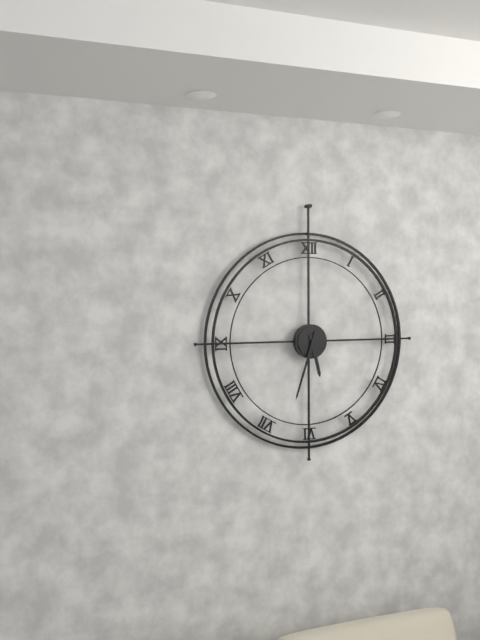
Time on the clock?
5:33
